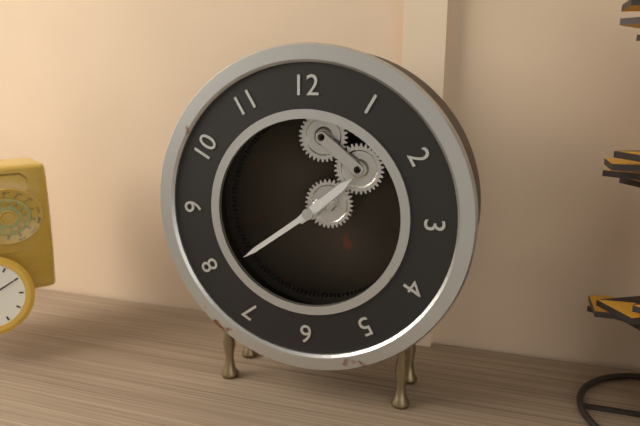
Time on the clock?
1:39
